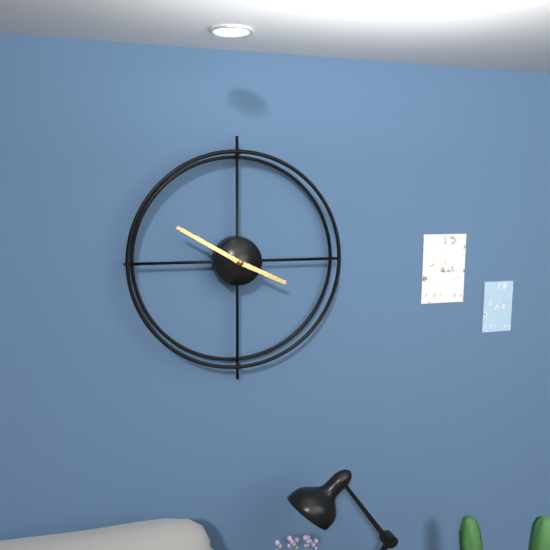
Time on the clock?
3:50
